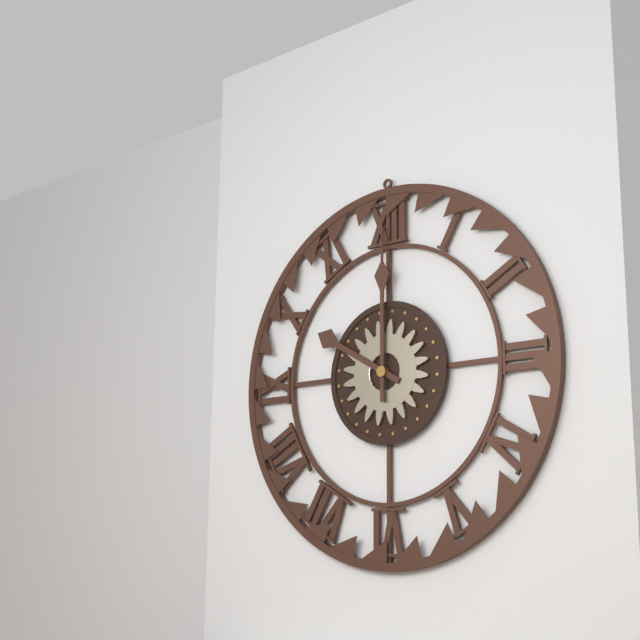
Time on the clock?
10:00
